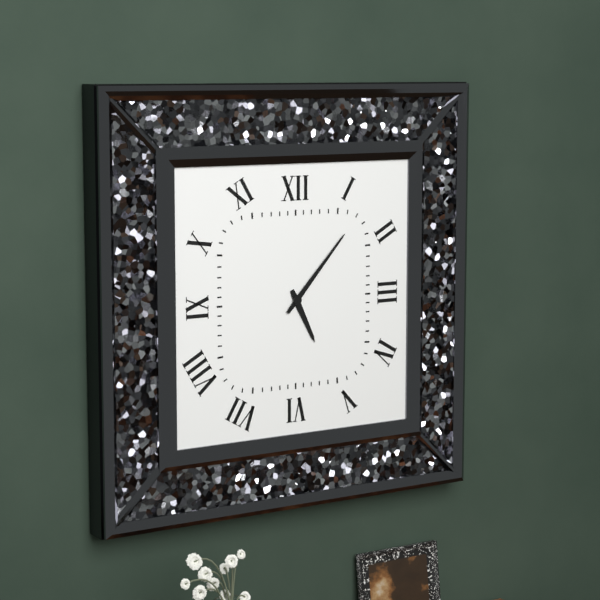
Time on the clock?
5:07
